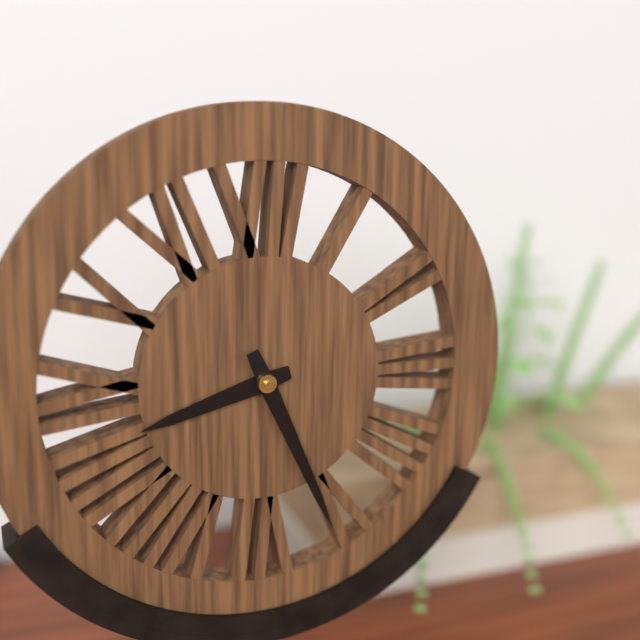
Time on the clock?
8:26
